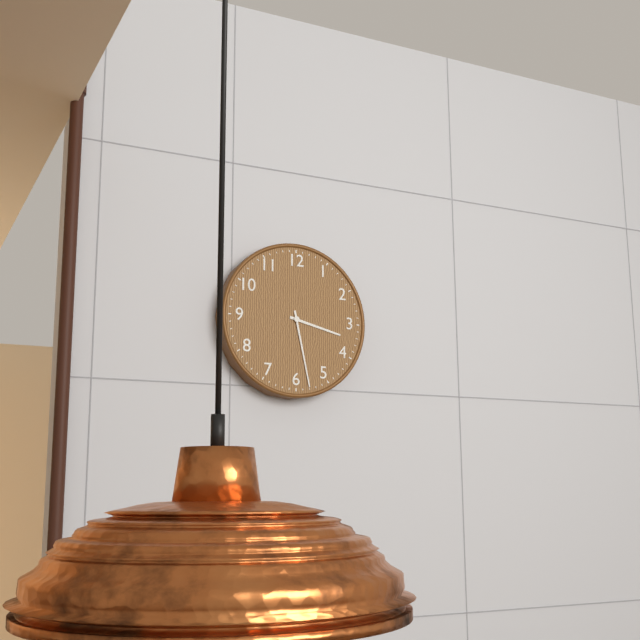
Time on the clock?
3:28
